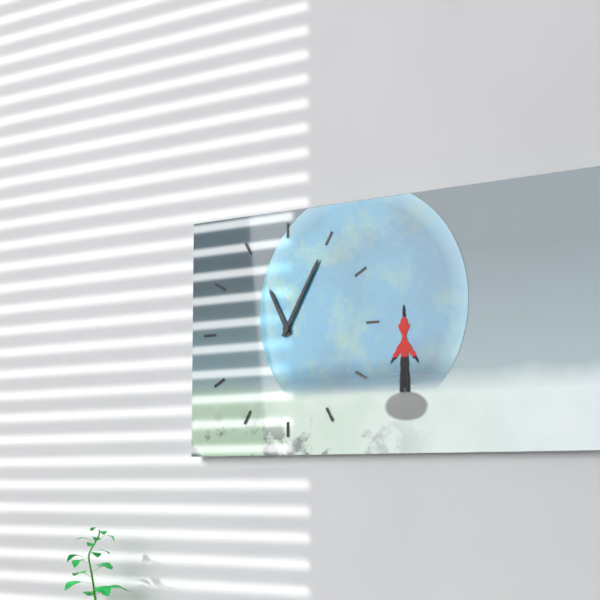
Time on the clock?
11:05
